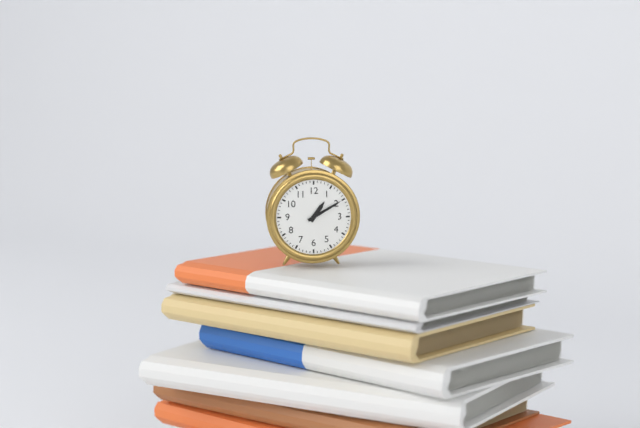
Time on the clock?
1:10
